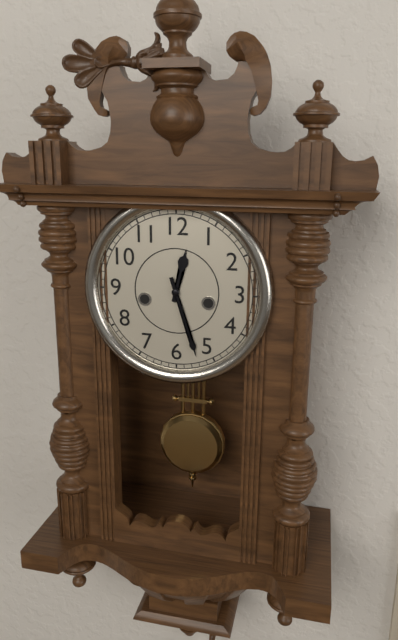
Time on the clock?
12:27
